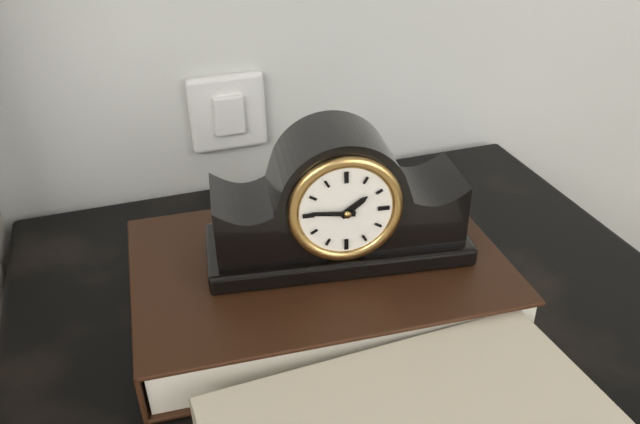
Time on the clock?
1:46
